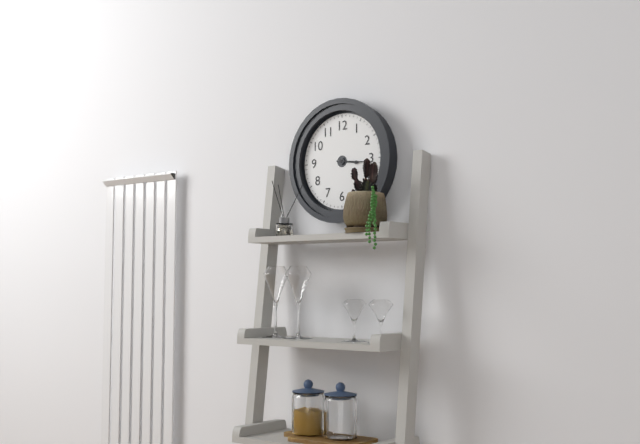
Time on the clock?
3:16
